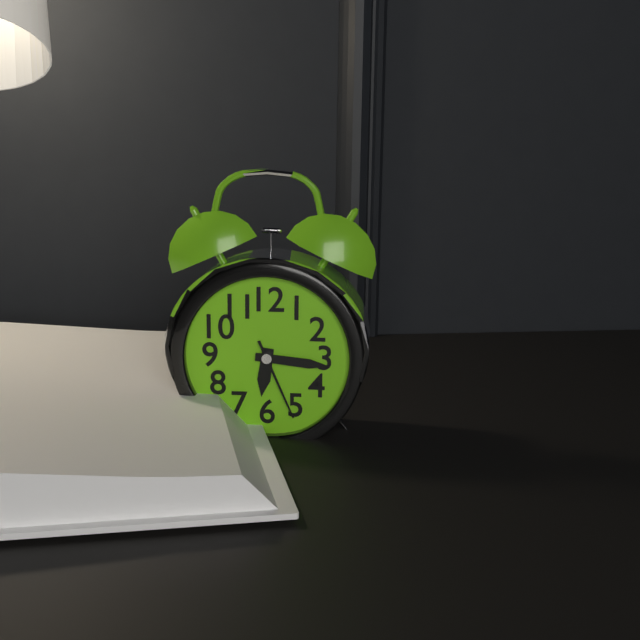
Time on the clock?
6:16:26
